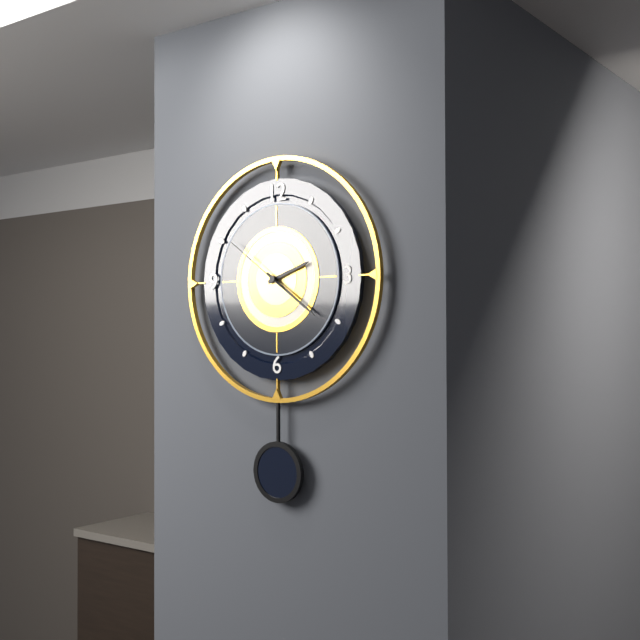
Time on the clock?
2:21:51
